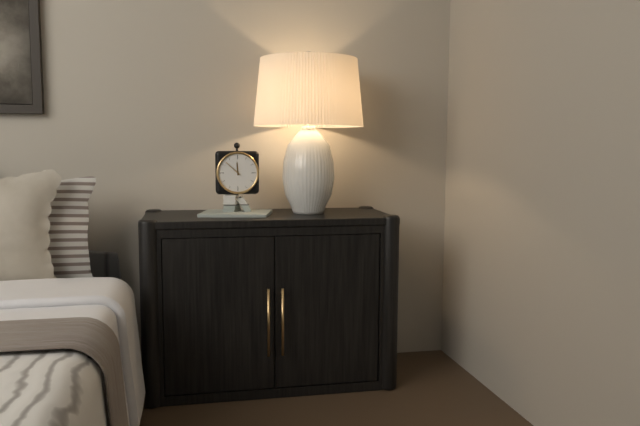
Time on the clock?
11:52
